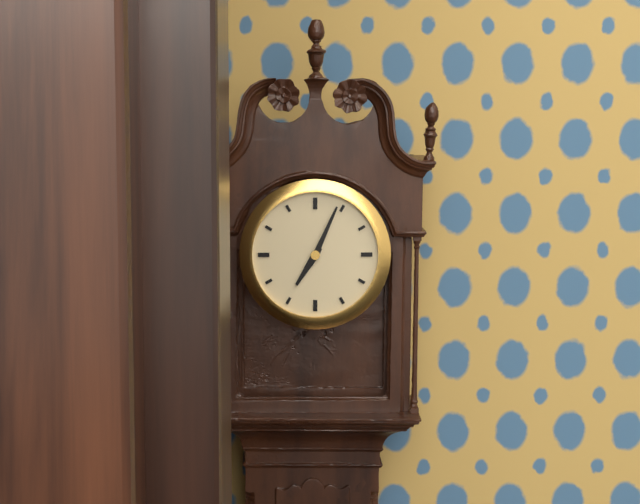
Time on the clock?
7:04
